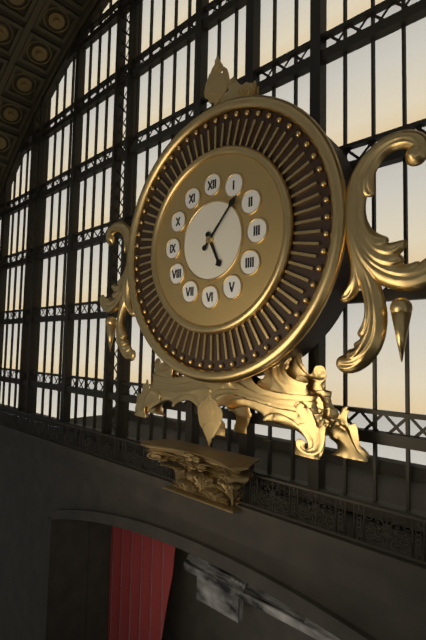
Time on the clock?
5:07
